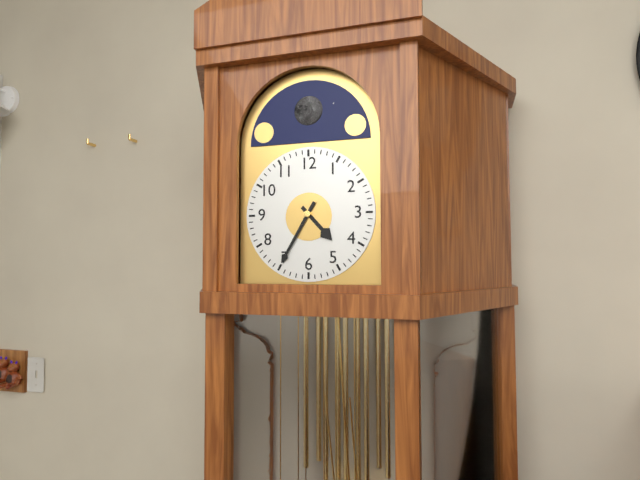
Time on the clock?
4:35
